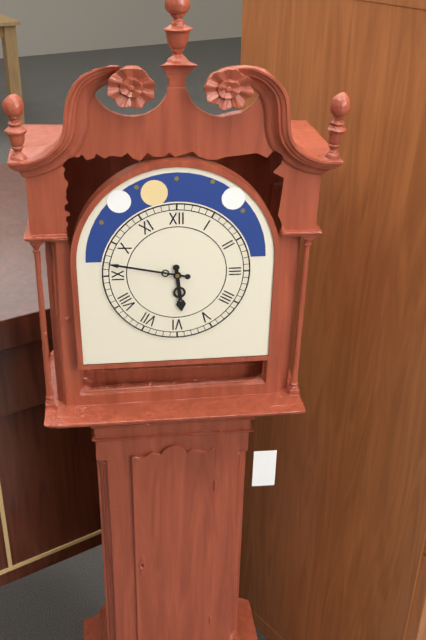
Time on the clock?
5:47
